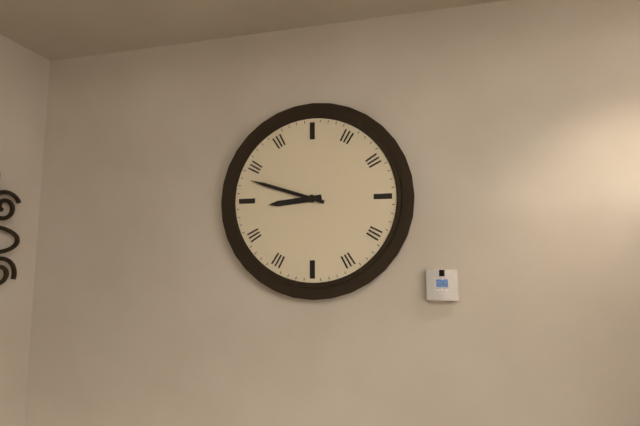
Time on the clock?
8:48
